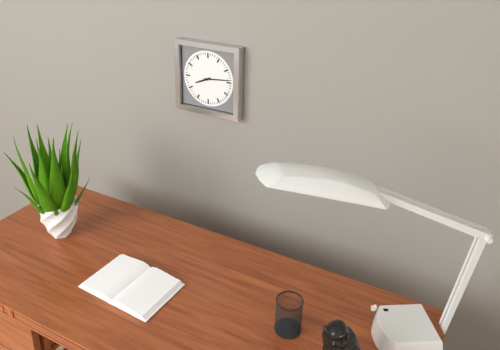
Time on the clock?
8:14
